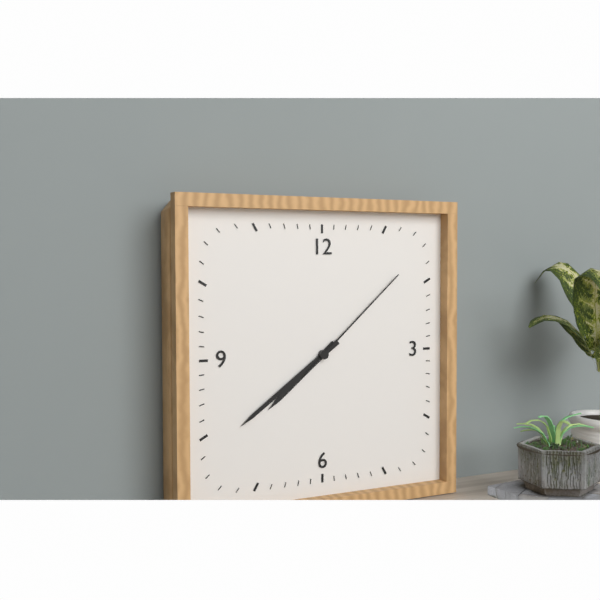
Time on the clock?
7:39:08
